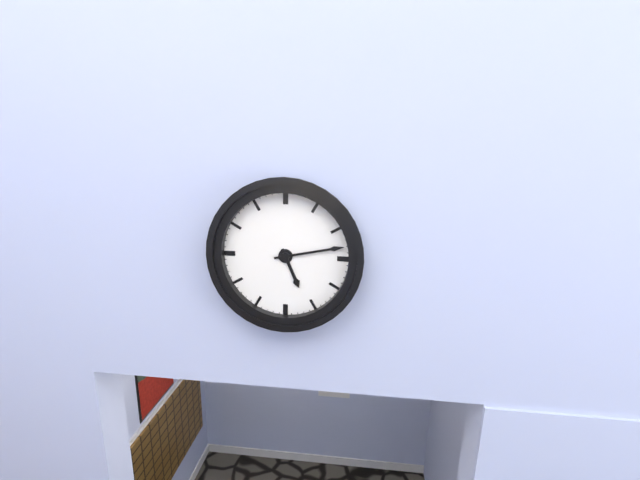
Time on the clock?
5:13
